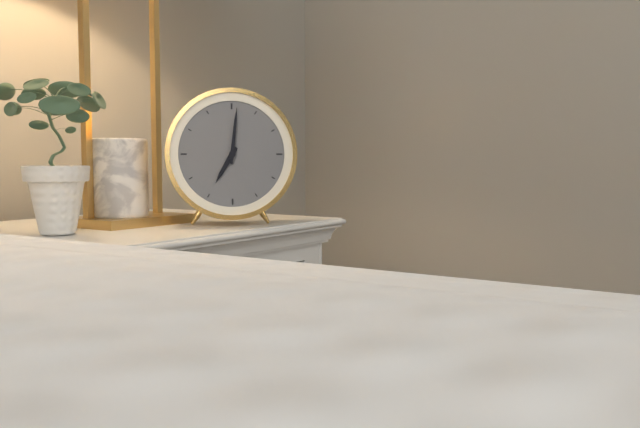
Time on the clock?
7:01
